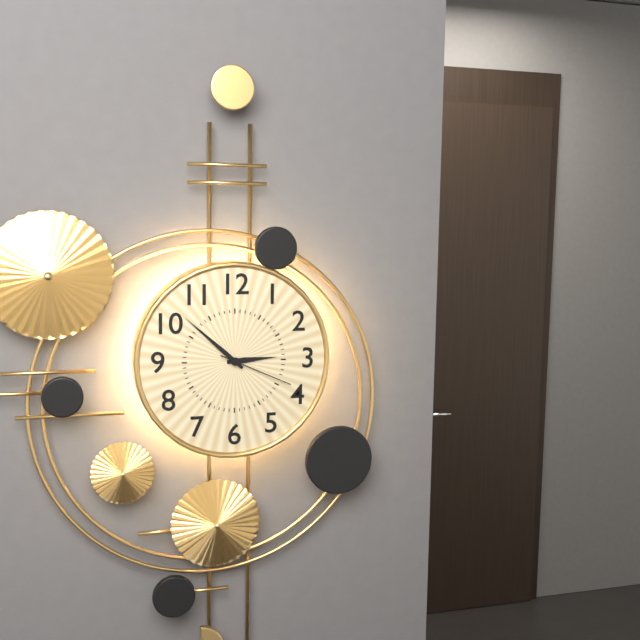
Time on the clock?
2:52:19
